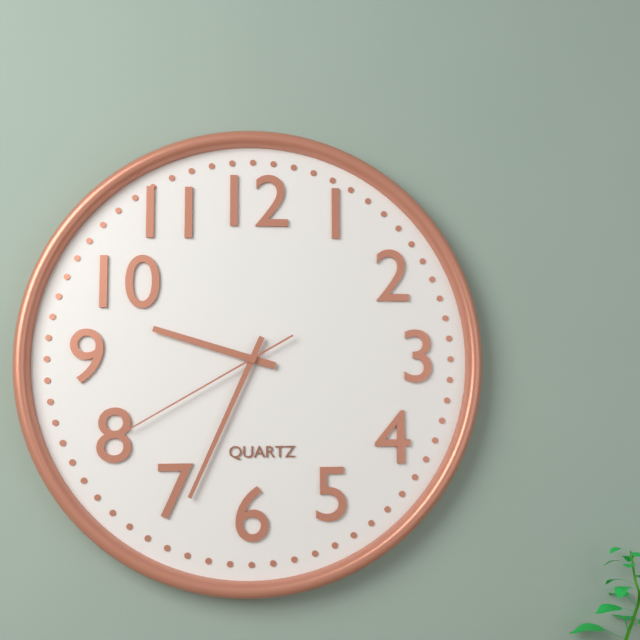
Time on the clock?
9:34:40
